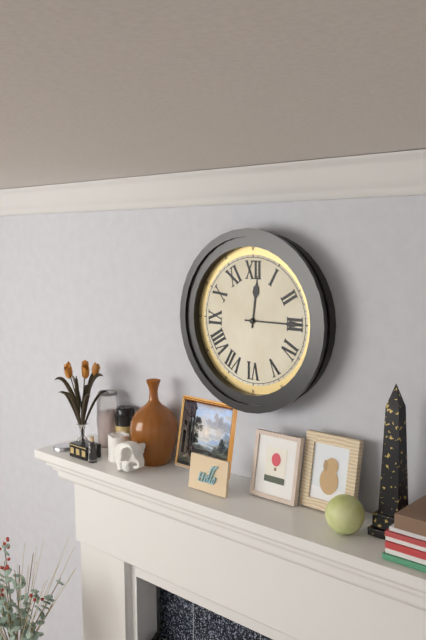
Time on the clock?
12:15
